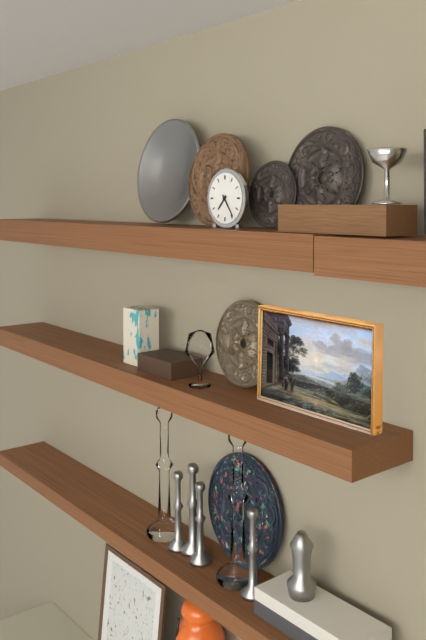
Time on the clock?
7:24
